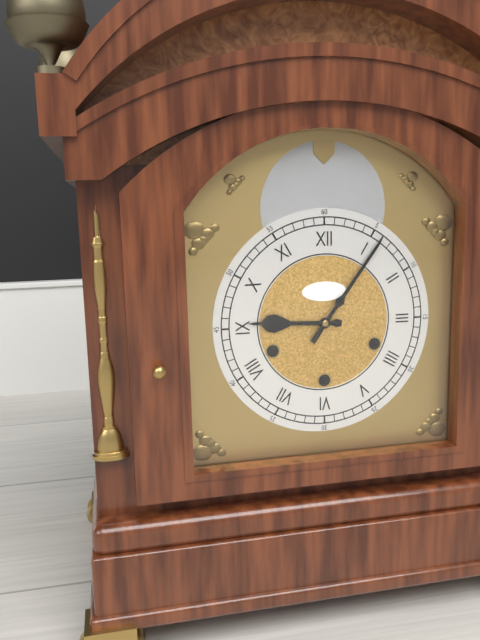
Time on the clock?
9:06
